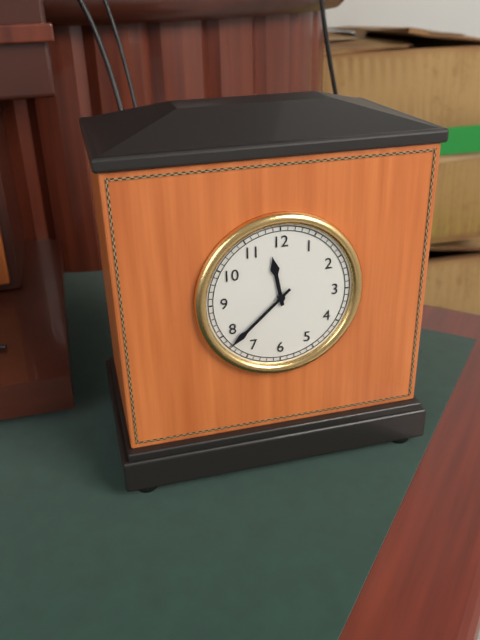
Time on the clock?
11:38
